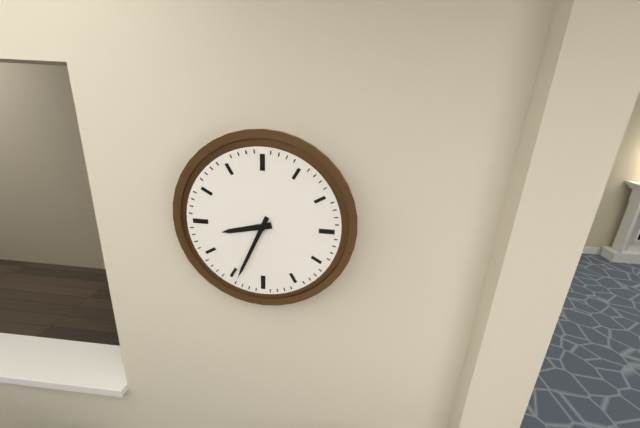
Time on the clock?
8:34
